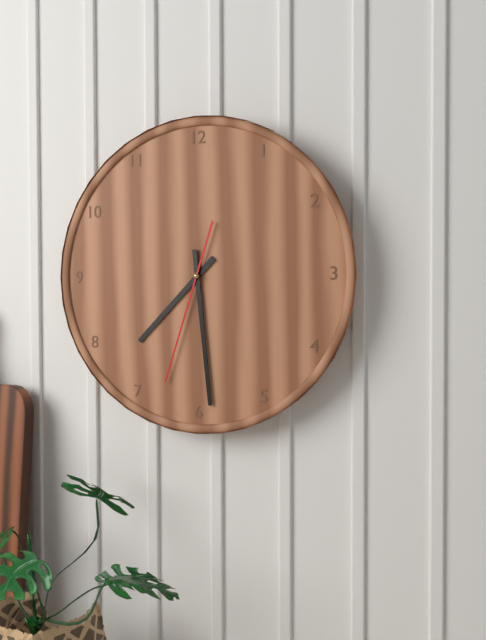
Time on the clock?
7:29:33
